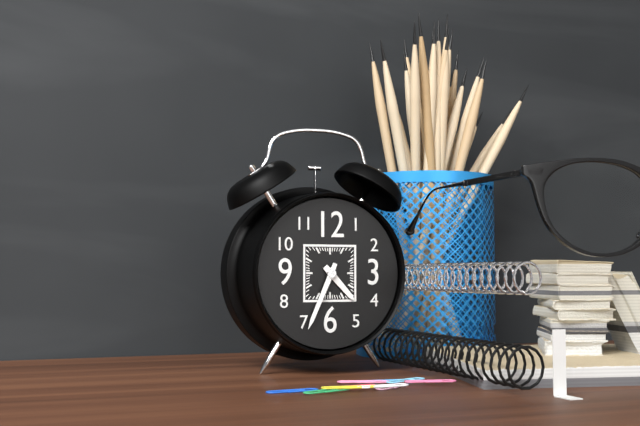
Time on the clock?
4:34
